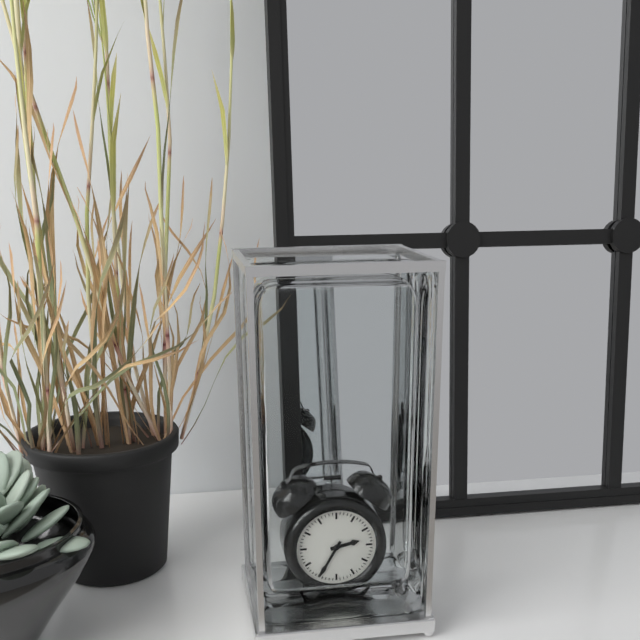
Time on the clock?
2:35
